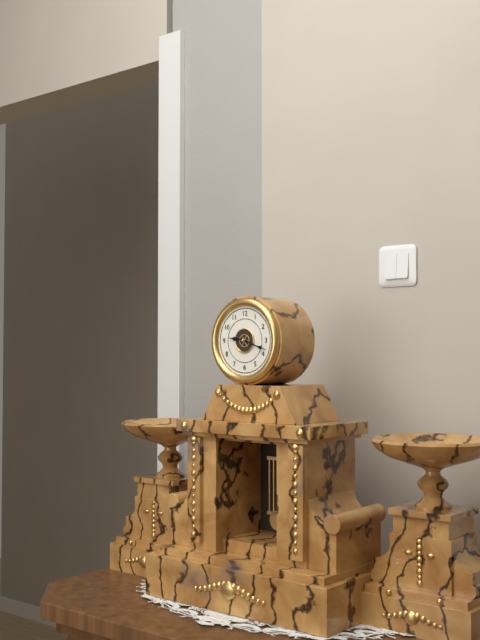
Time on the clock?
9:18
